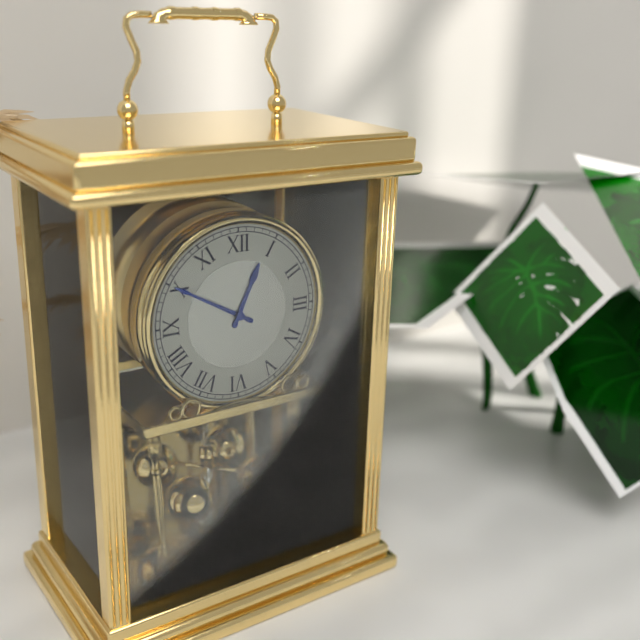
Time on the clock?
12:50
